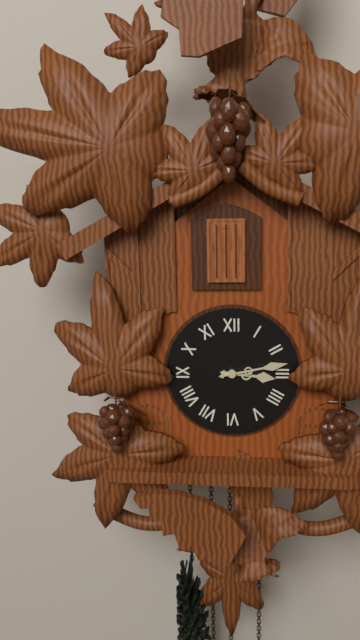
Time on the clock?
3:13
